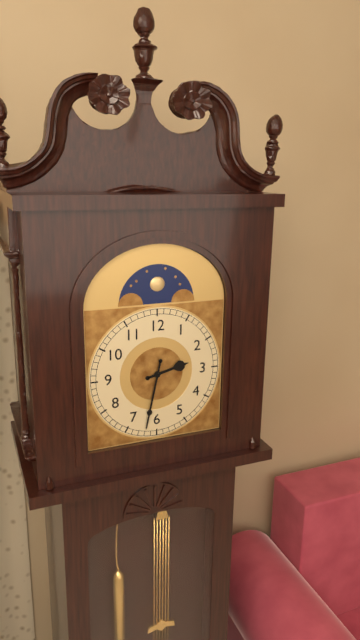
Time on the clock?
2:32
